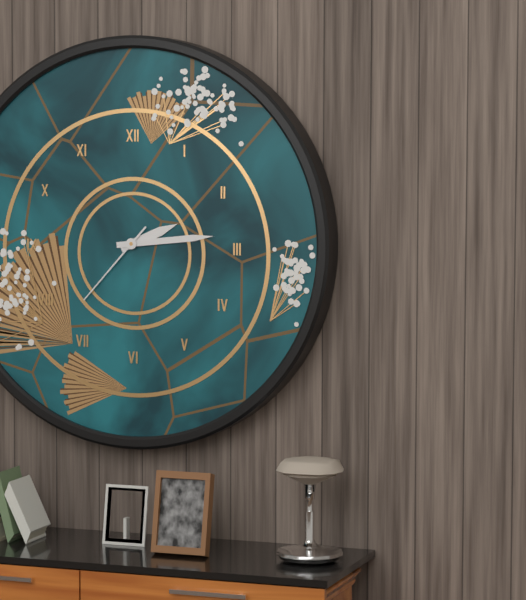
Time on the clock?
2:14:37
